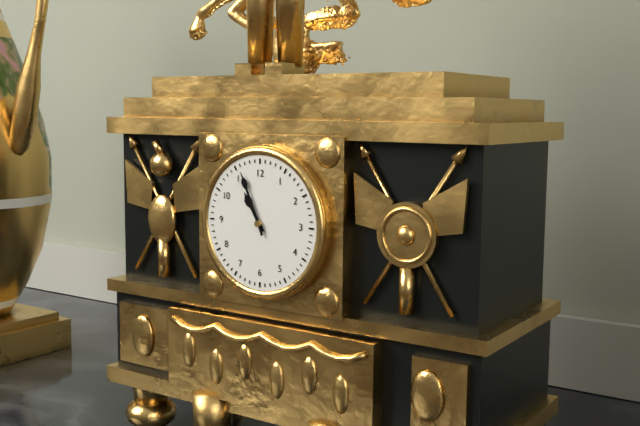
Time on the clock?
10:56
